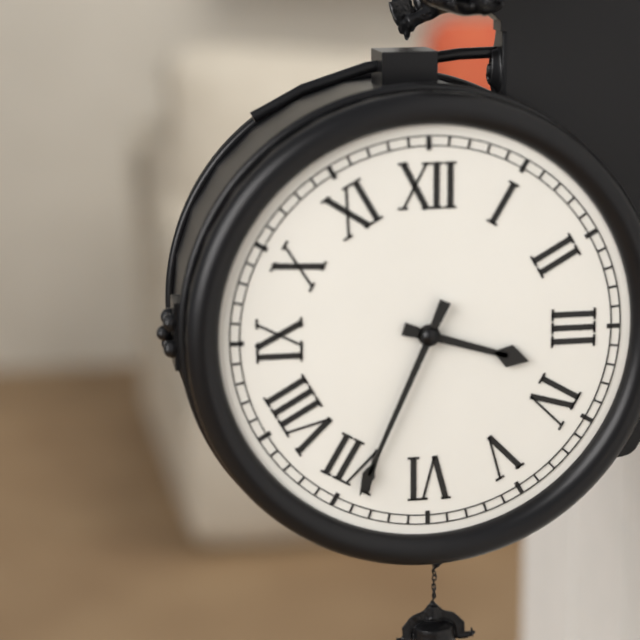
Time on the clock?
3:34
